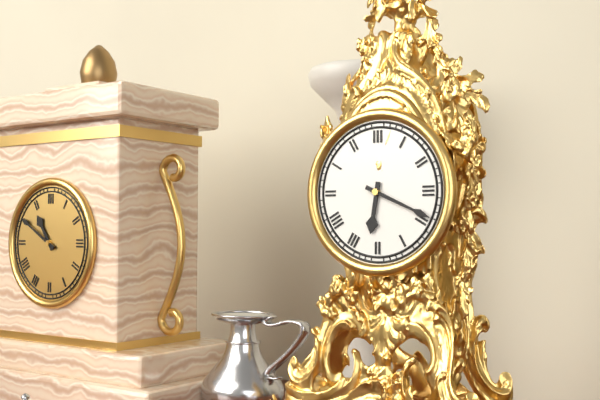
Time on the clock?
6:19
